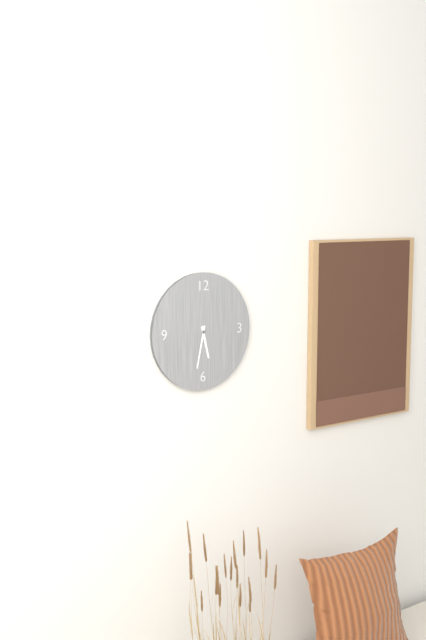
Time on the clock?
5:32
